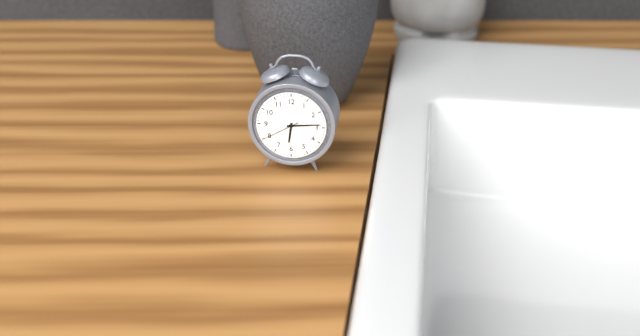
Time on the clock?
6:14
